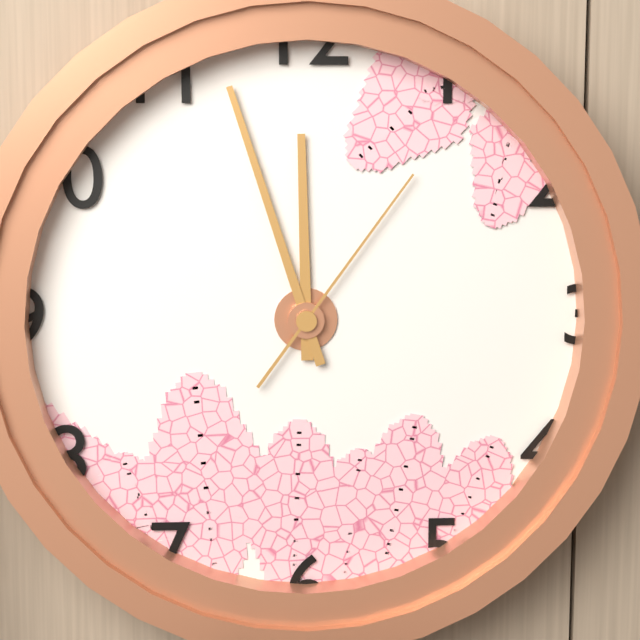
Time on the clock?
11:57:06
